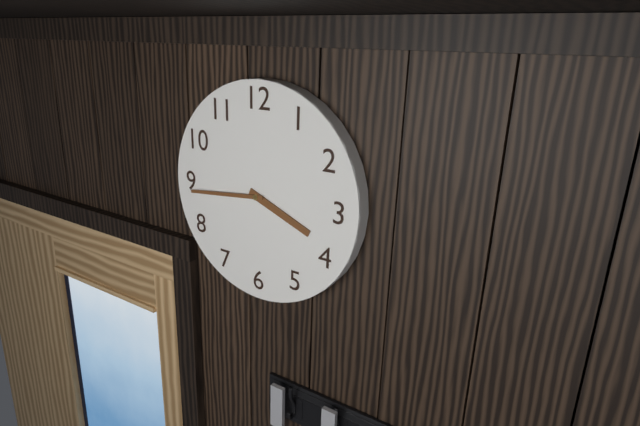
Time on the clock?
3:44
